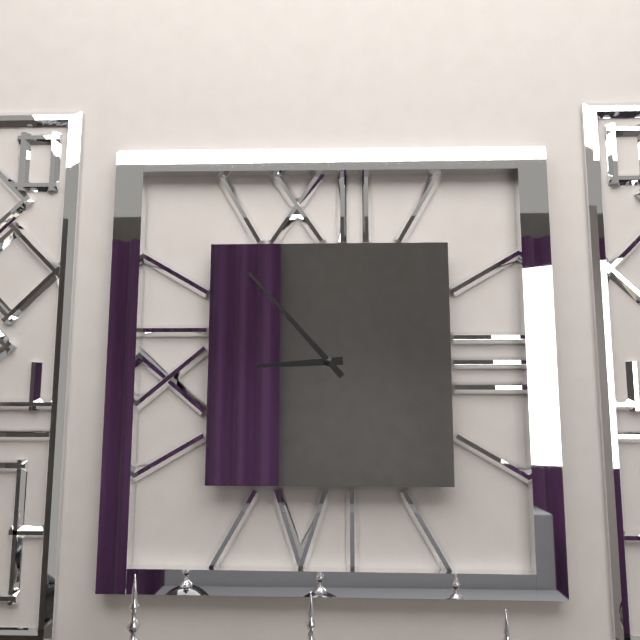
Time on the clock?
8:53
